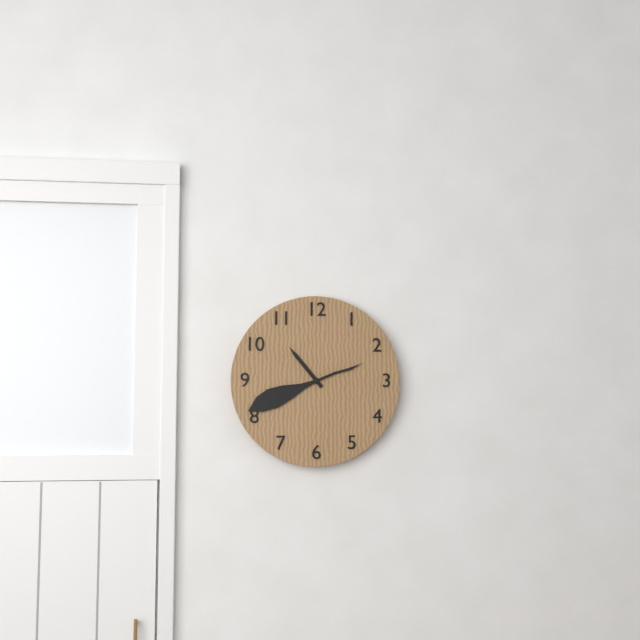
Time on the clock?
10:41
